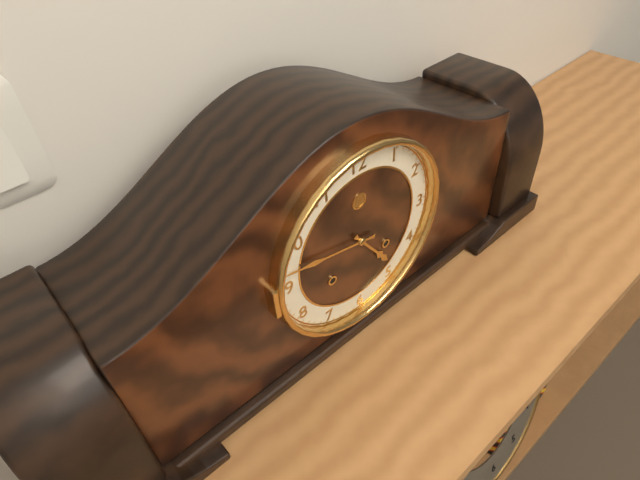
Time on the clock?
4:47
